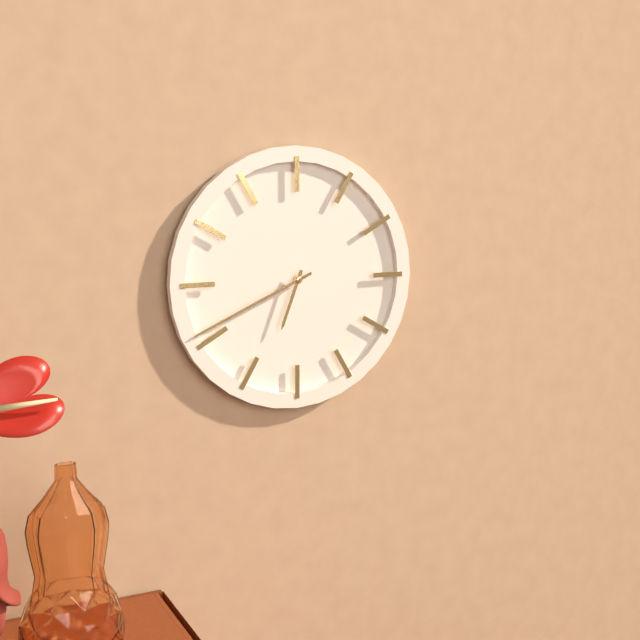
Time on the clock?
6:41
